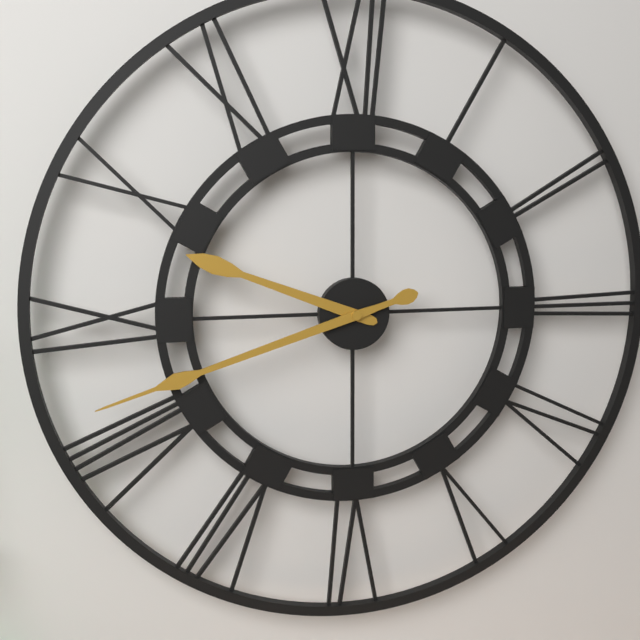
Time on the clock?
9:42
